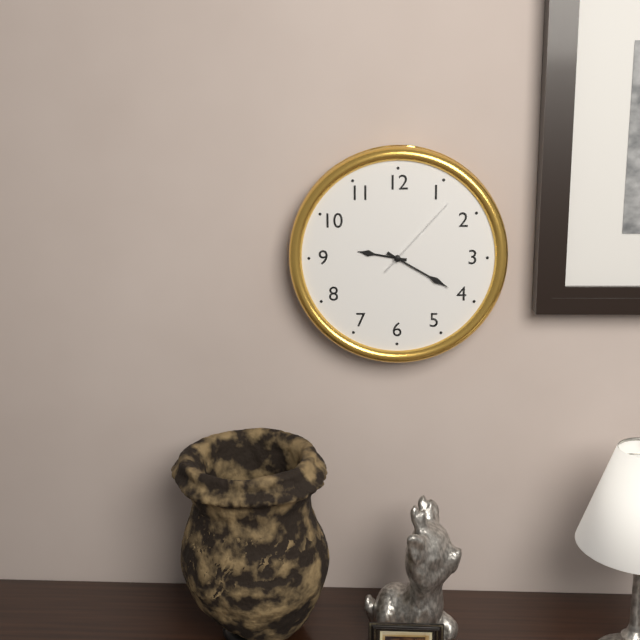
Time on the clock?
9:20:07
